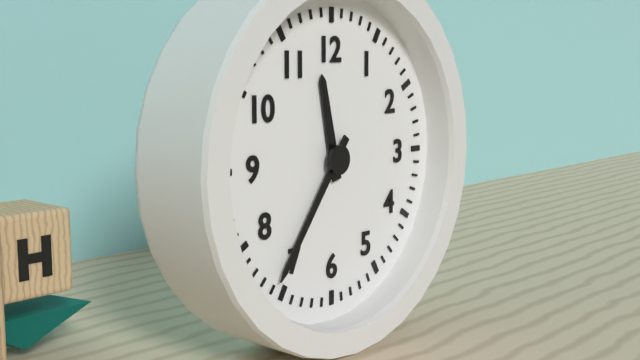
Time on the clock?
11:36
